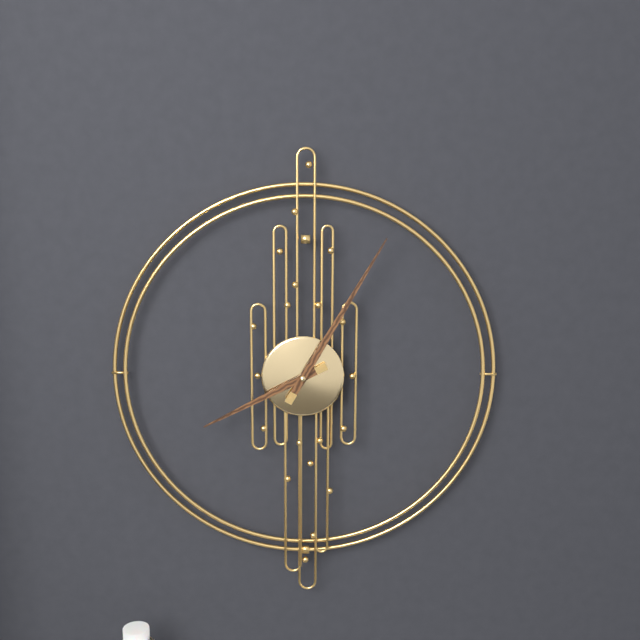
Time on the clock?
8:05
